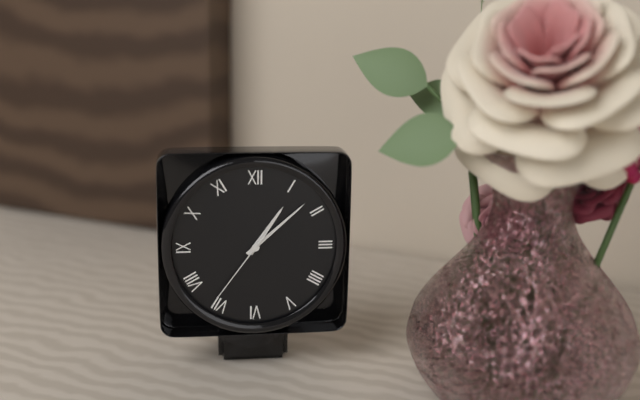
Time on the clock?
1:08:36
